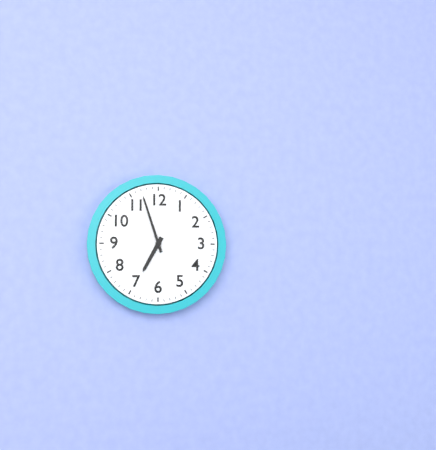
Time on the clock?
6:57
